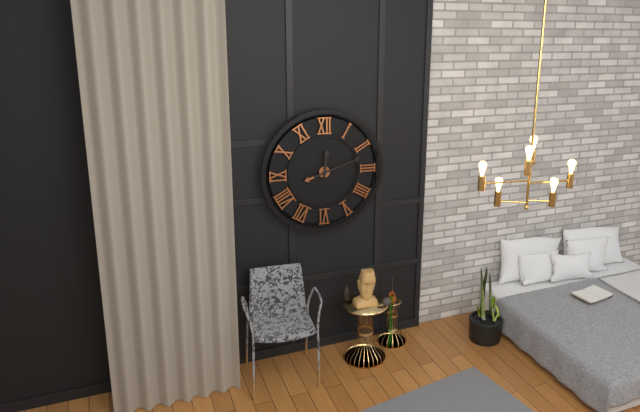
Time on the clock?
12:12
